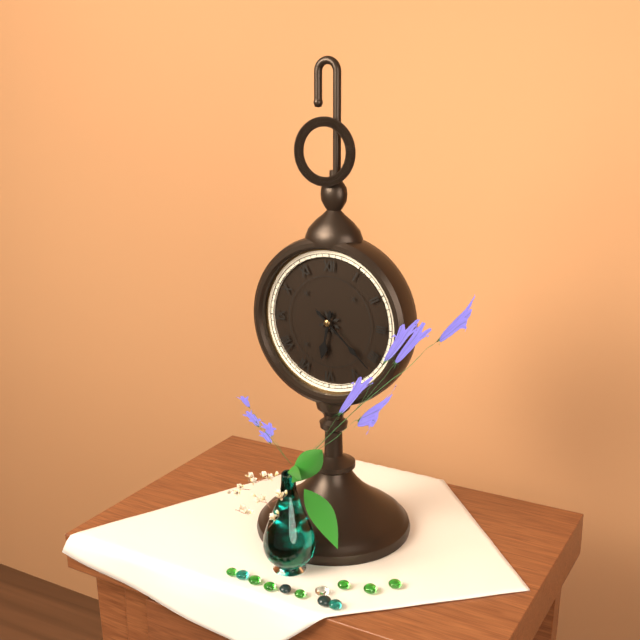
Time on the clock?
6:22
